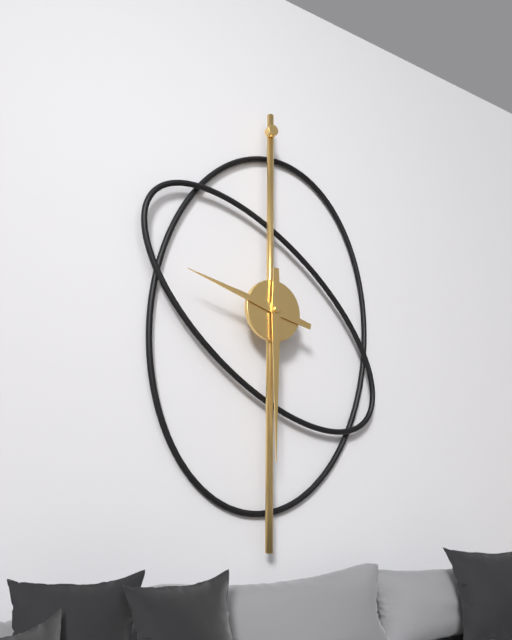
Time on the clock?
9:30
